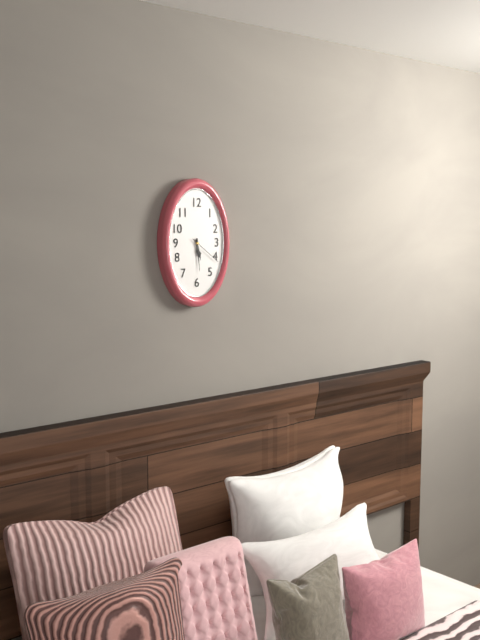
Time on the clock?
5:29
